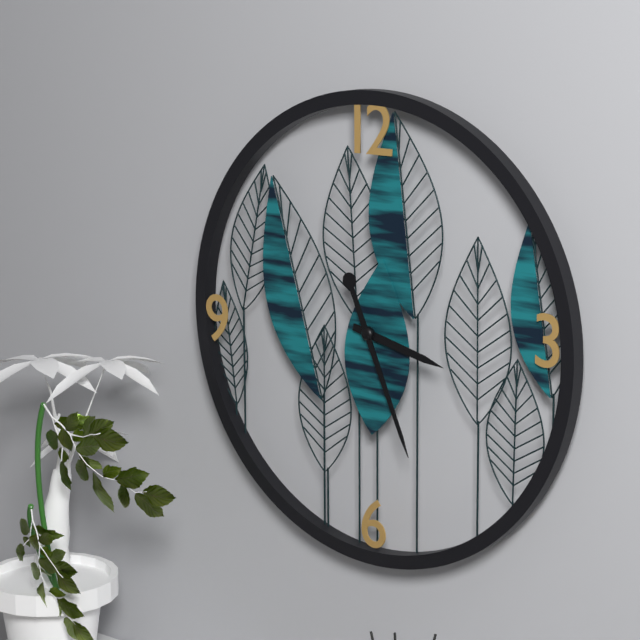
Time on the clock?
3:26
